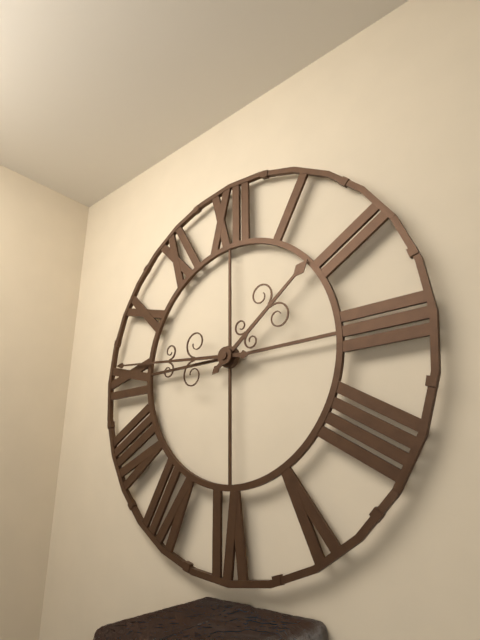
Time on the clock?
1:46
